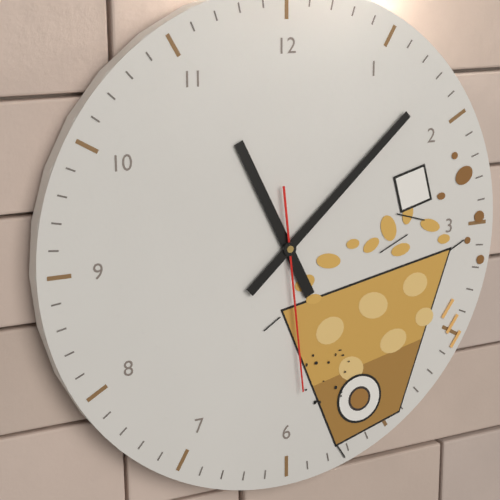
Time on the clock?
11:08:29
